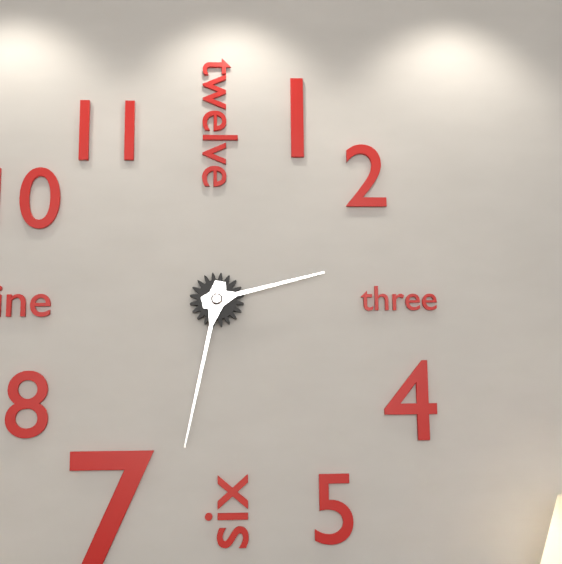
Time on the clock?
2:32
